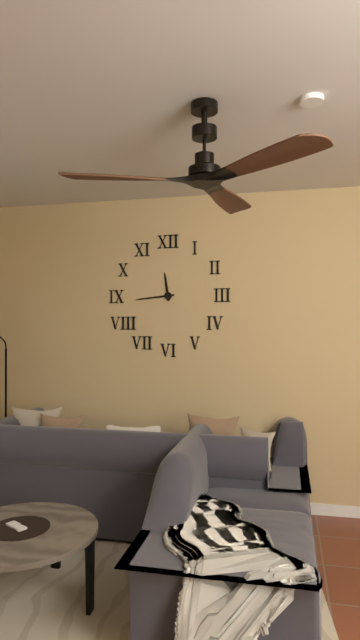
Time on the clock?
11:44
